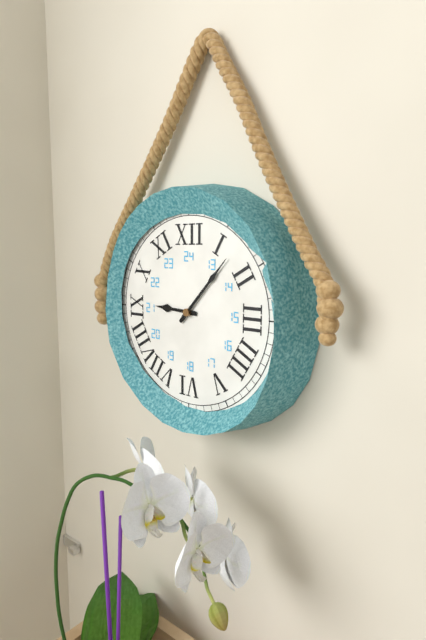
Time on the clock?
9:07
